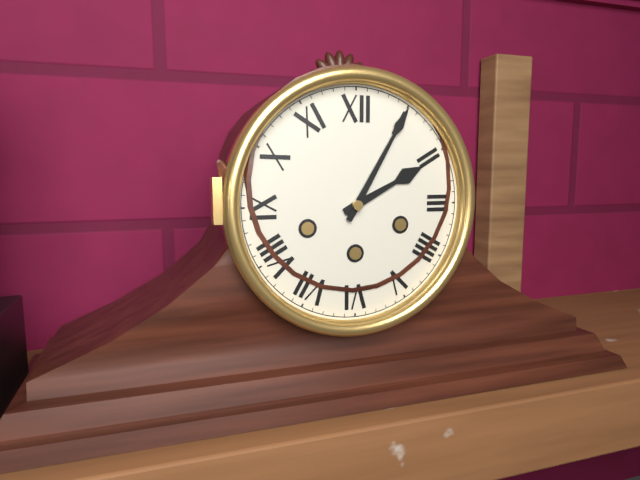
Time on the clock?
2:05
